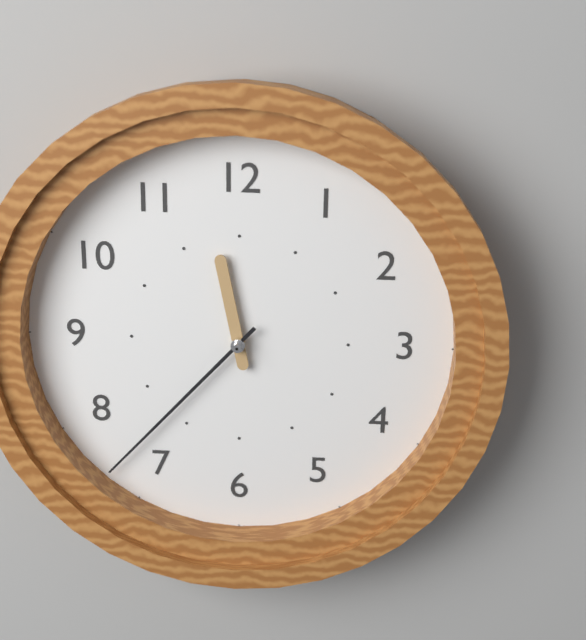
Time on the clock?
11:37
